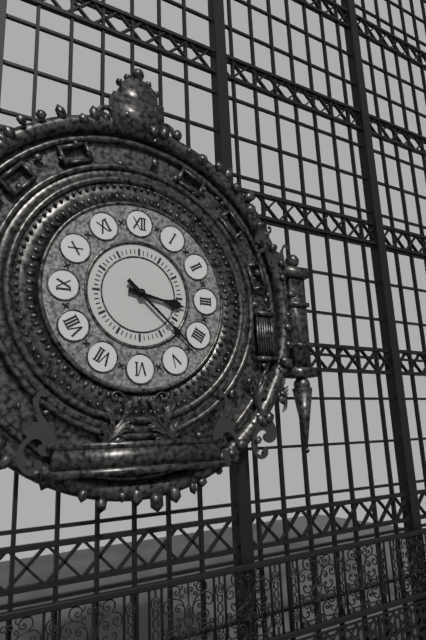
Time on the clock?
3:22
